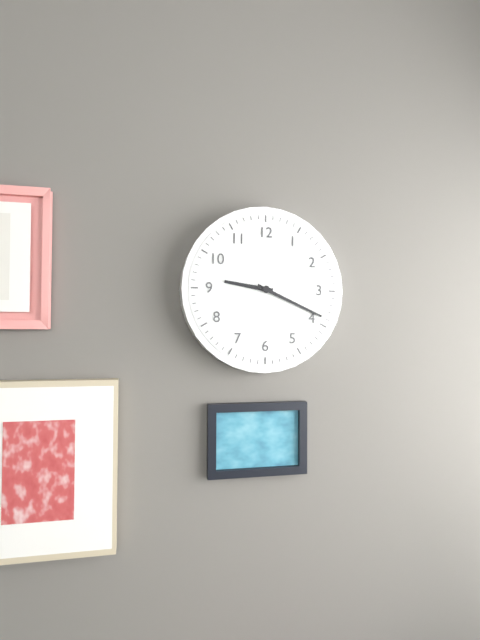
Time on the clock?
9:19
